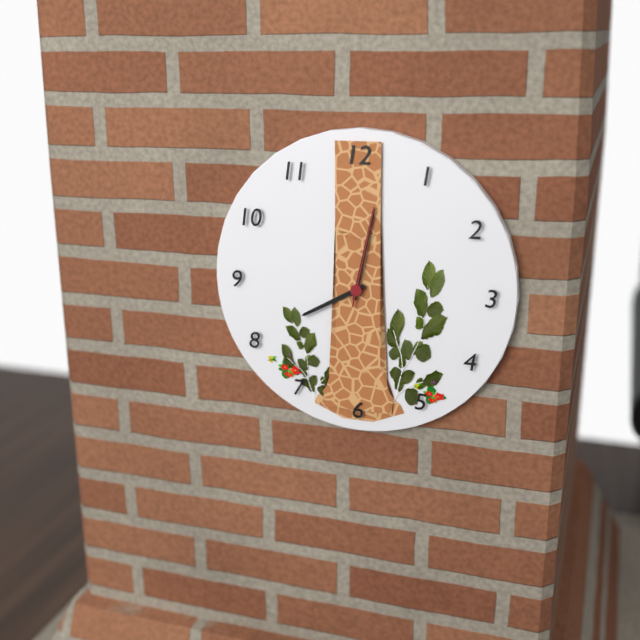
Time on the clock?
8:02:02
